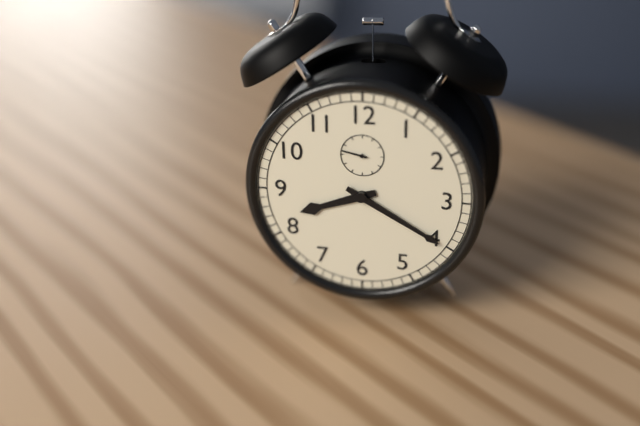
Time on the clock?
8:20
